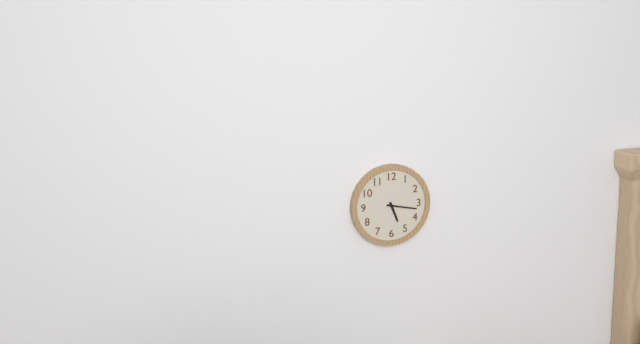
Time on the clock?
5:17
